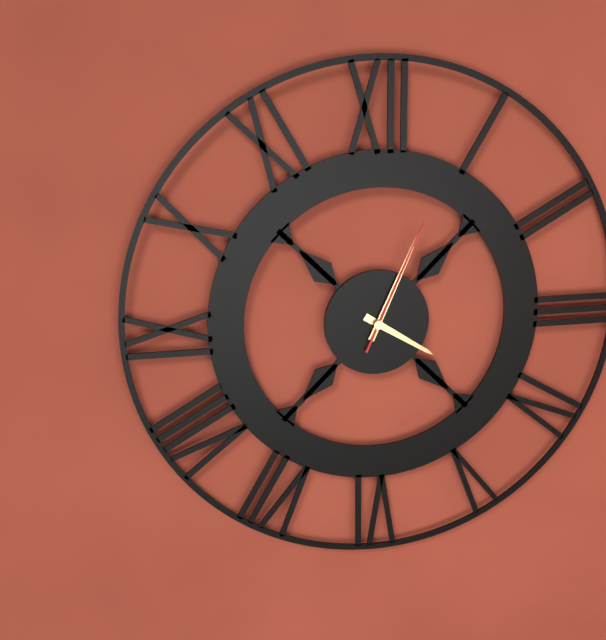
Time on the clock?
4:04:04
